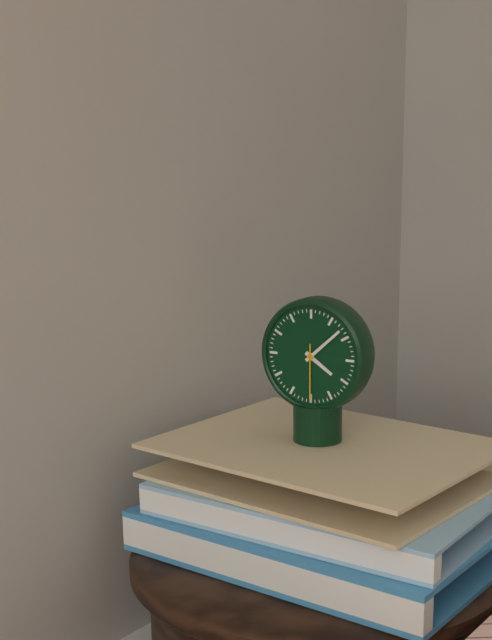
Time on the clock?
4:08:30
